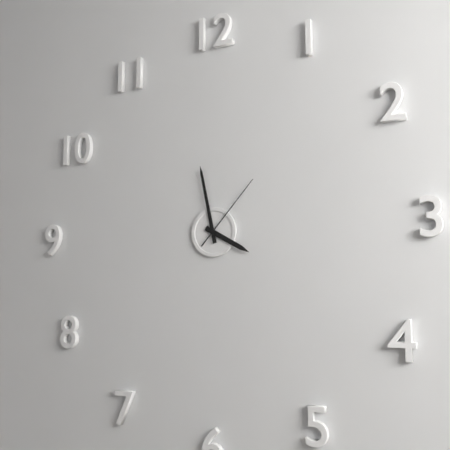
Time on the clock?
3:58:07
